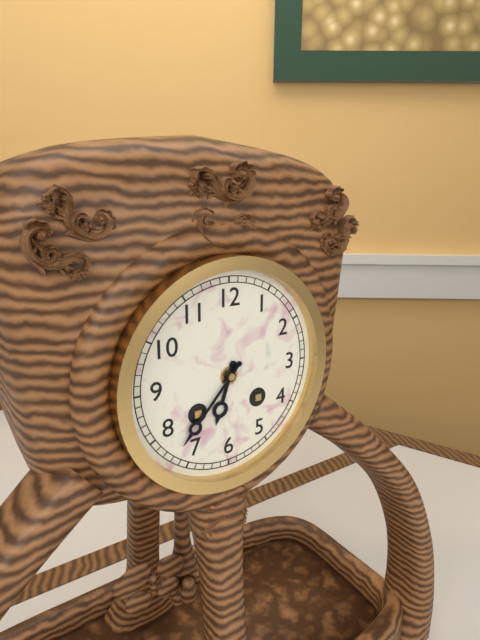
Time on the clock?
6:37
